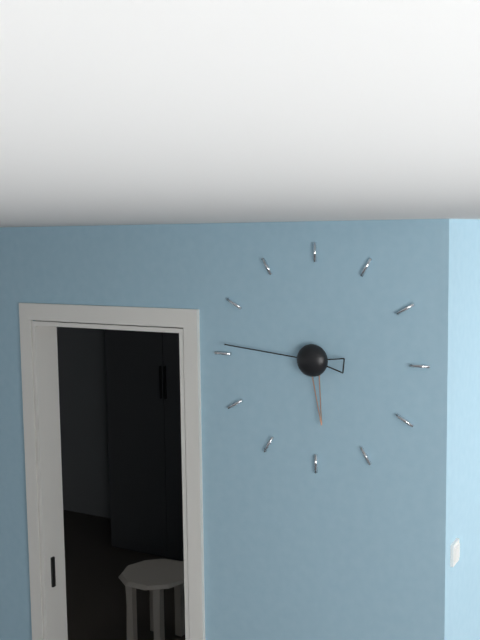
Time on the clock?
5:46
